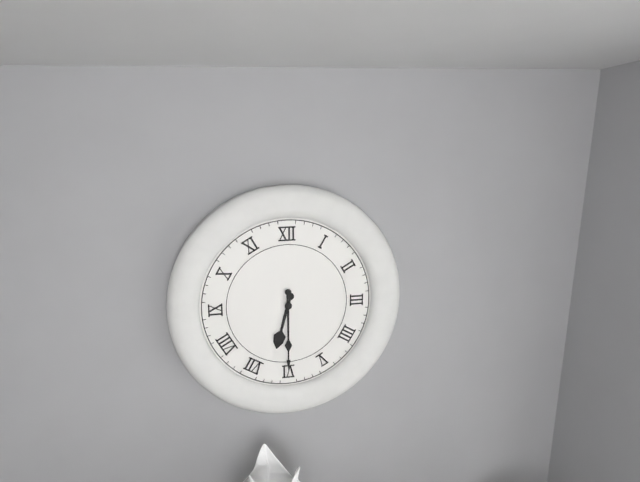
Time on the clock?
6:30
